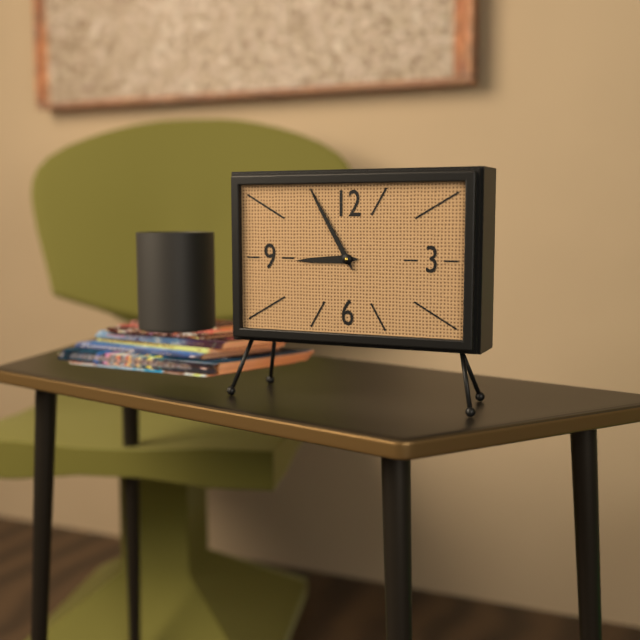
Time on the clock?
8:55
